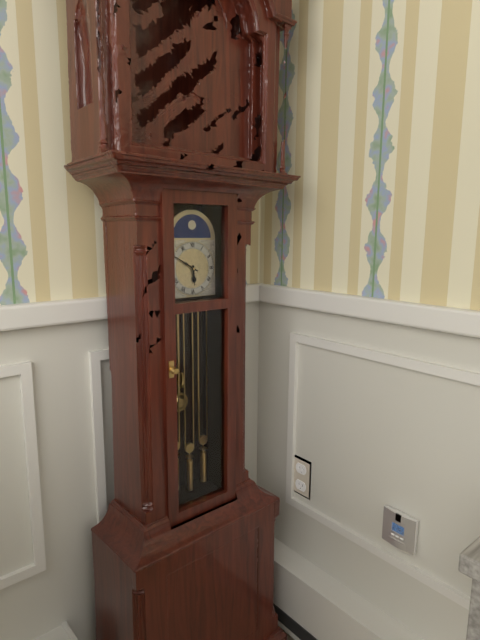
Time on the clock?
5:50
